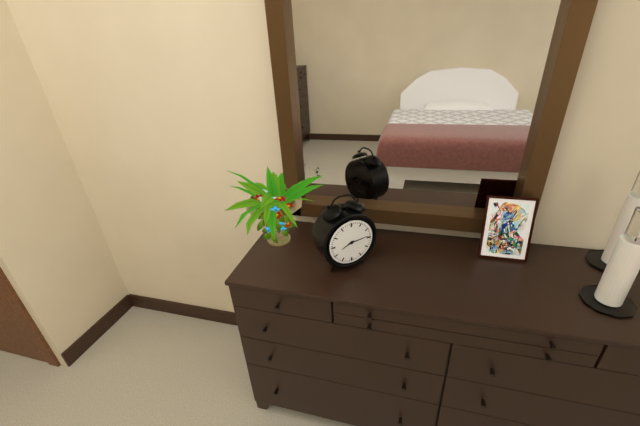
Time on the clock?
8:14
